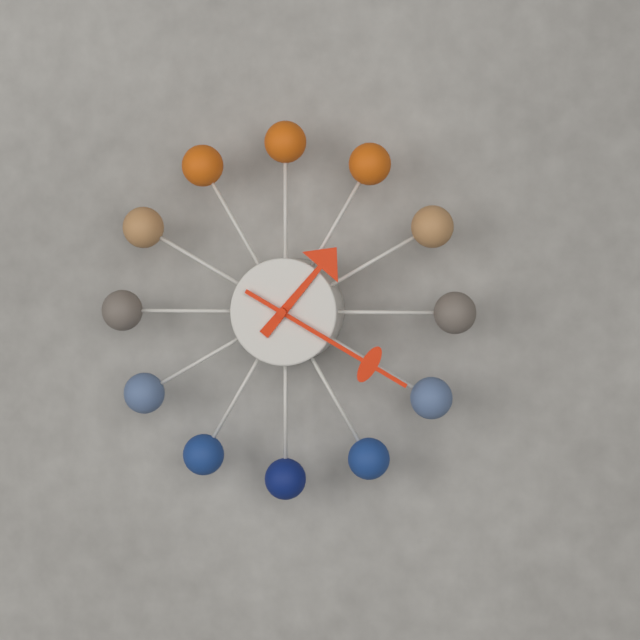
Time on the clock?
1:20
